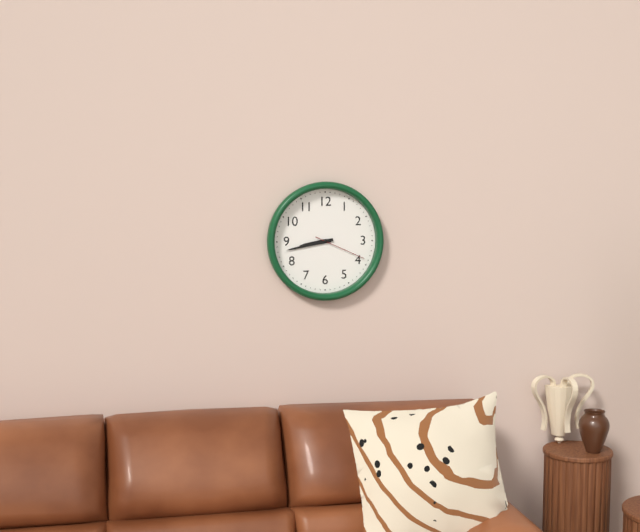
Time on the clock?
8:43:19
